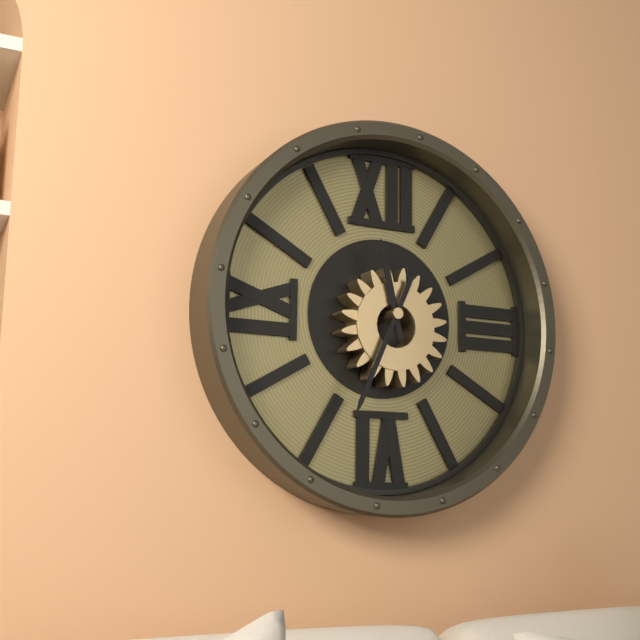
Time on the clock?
11:34
